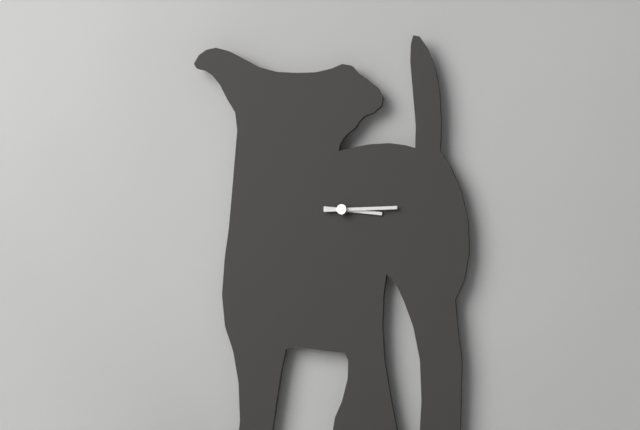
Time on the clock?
3:15
